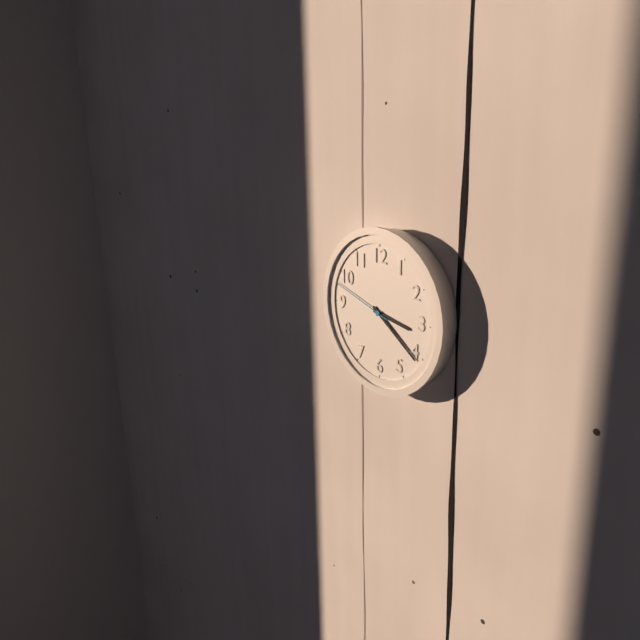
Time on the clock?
3:21:48
